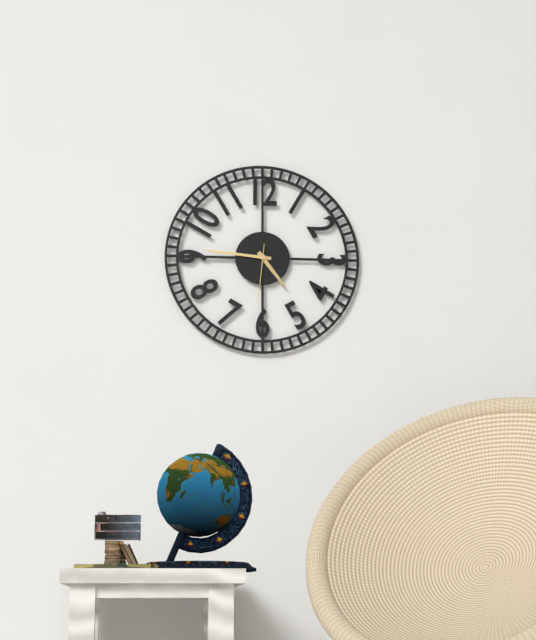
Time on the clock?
4:46:31
